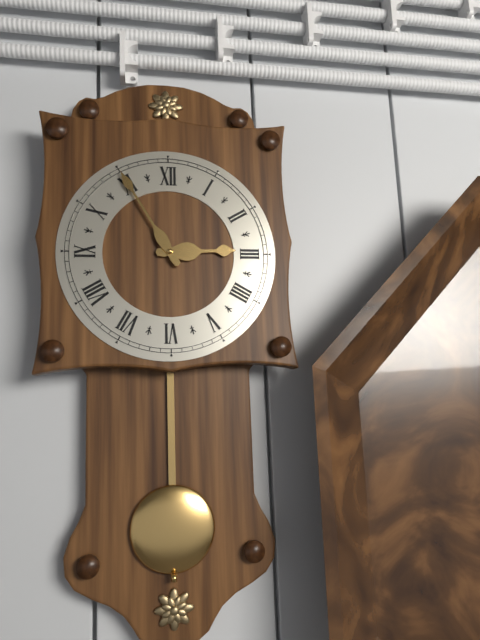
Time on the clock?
2:55
